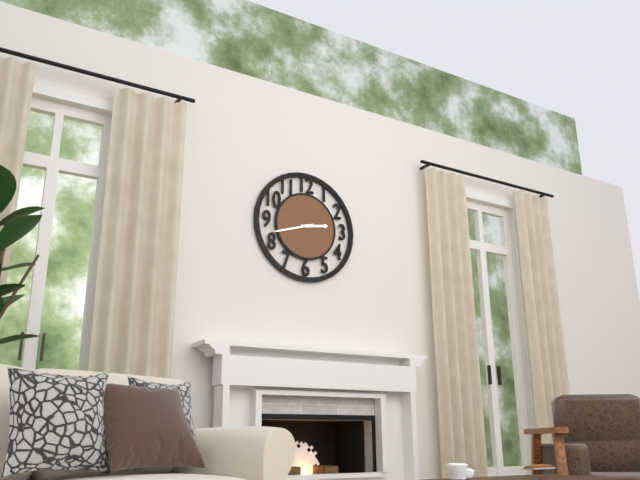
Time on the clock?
2:42
